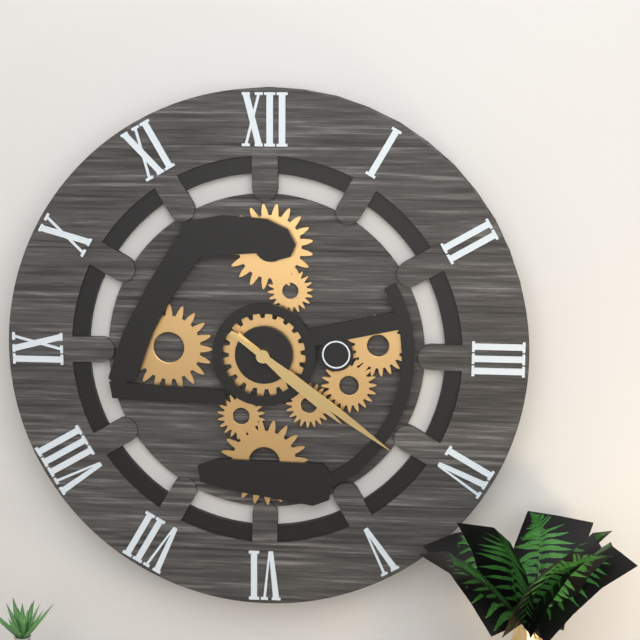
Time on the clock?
4:21
